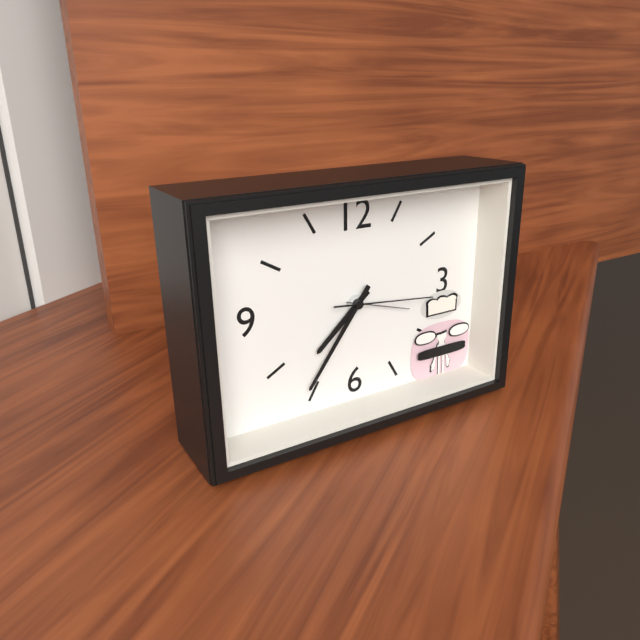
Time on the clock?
7:36:16
